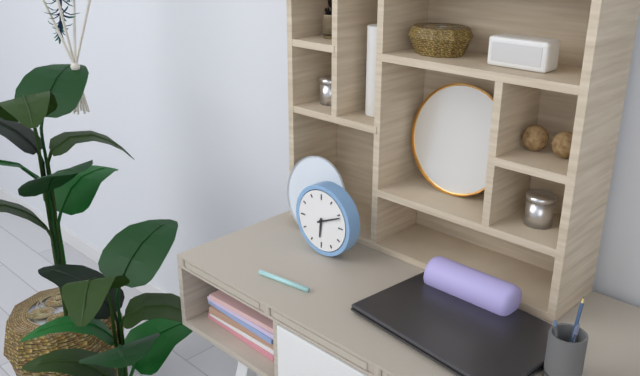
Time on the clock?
6:11
